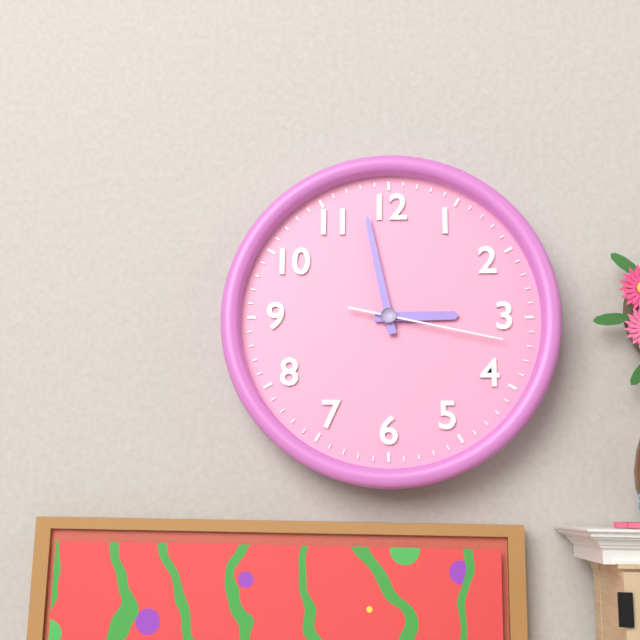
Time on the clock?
2:58:17
